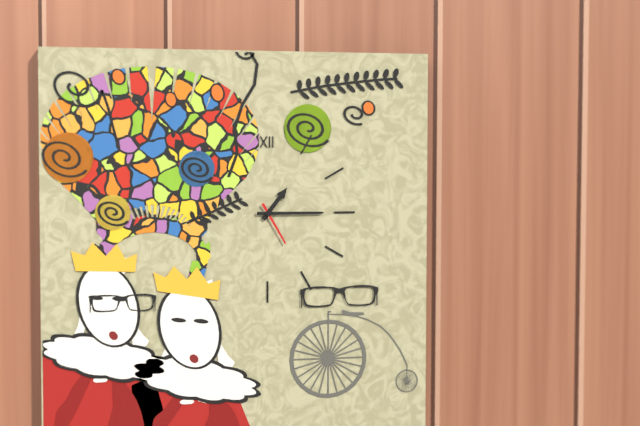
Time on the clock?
1:15
